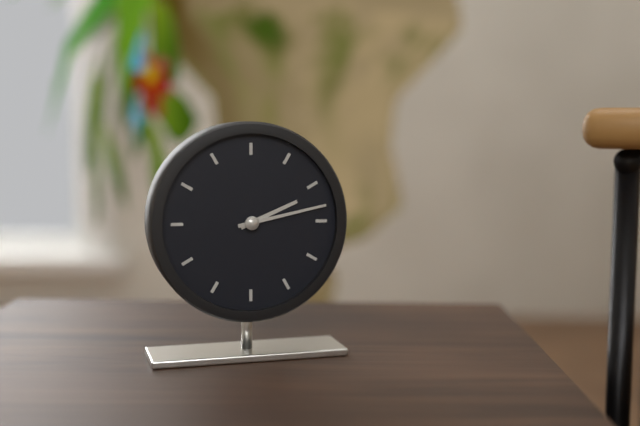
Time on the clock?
2:13
